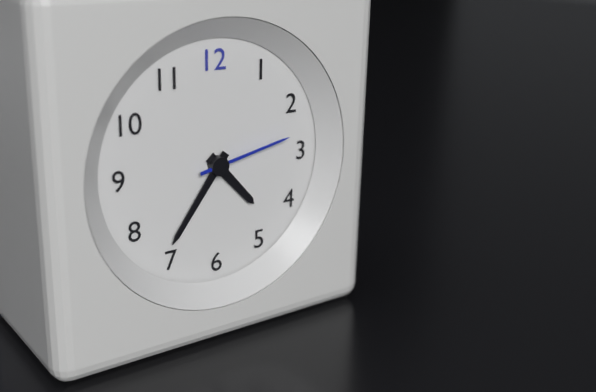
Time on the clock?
4:36:13
